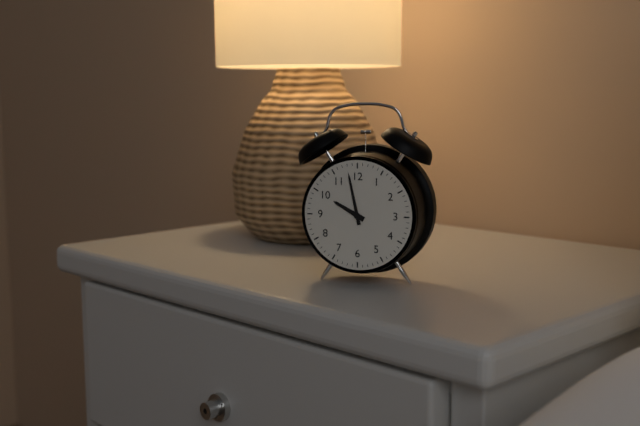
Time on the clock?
9:58
